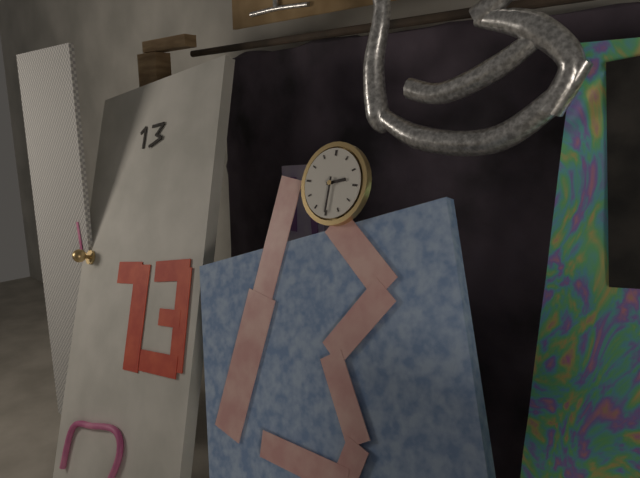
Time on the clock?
2:30
